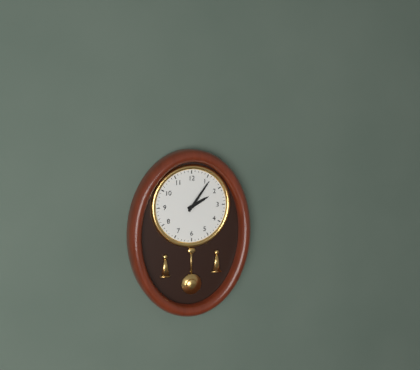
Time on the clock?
2:06
